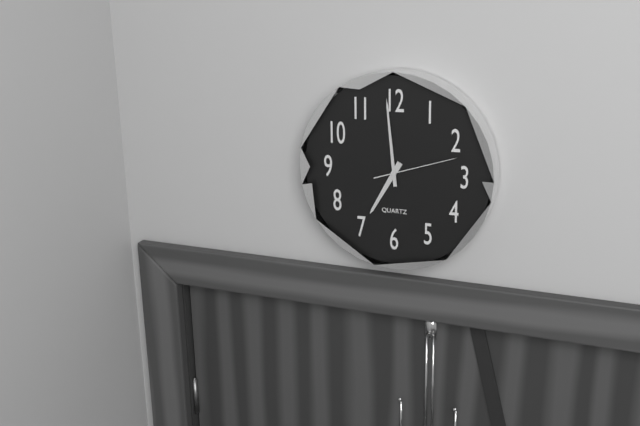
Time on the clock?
6:59:12
